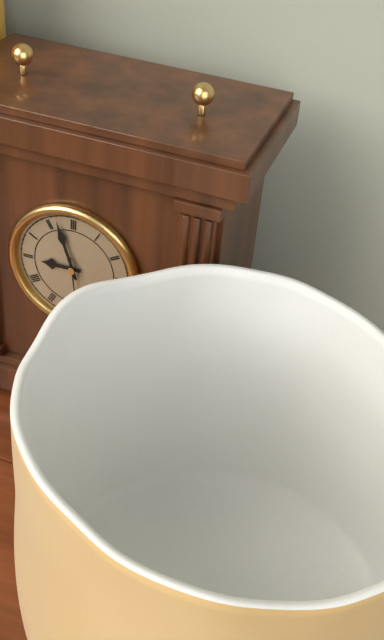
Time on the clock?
8:57
